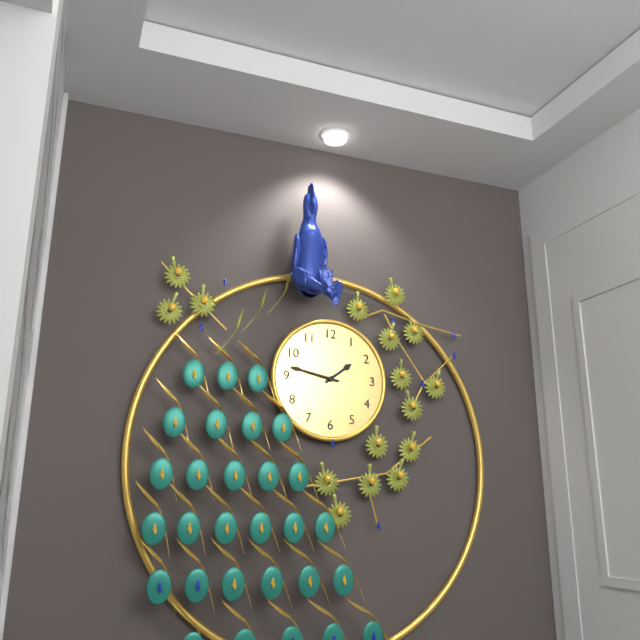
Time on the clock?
1:47
